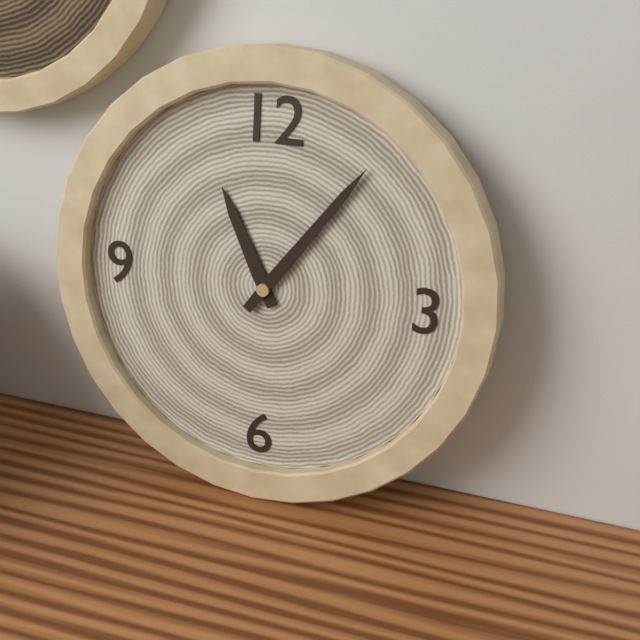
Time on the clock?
11:06
